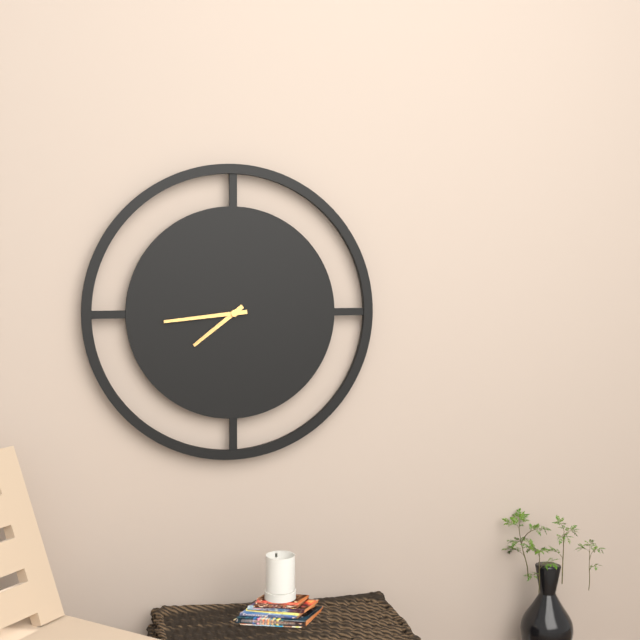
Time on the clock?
7:44
